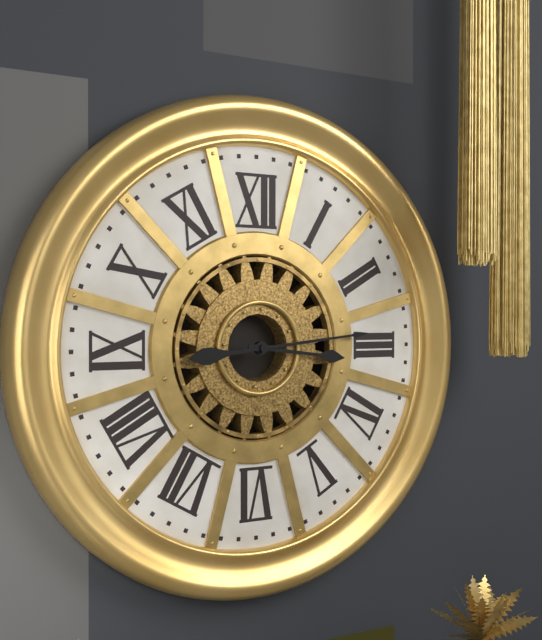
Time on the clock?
3:14
